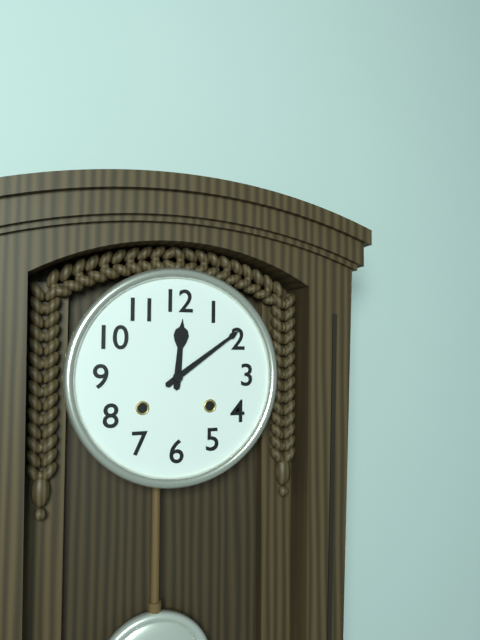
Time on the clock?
12:09
